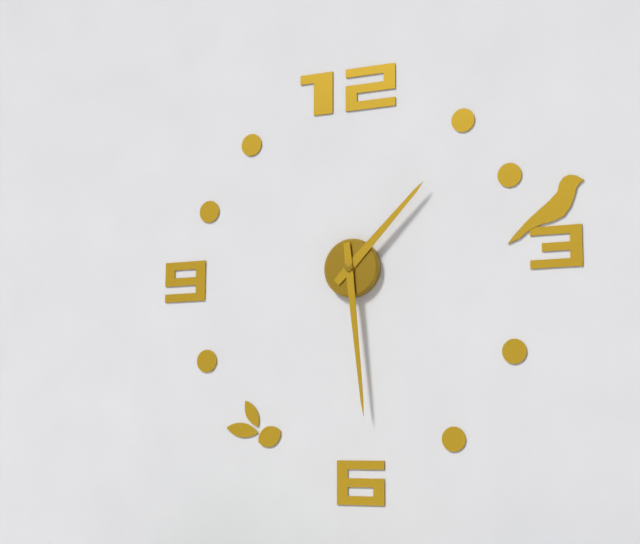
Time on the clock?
1:29
